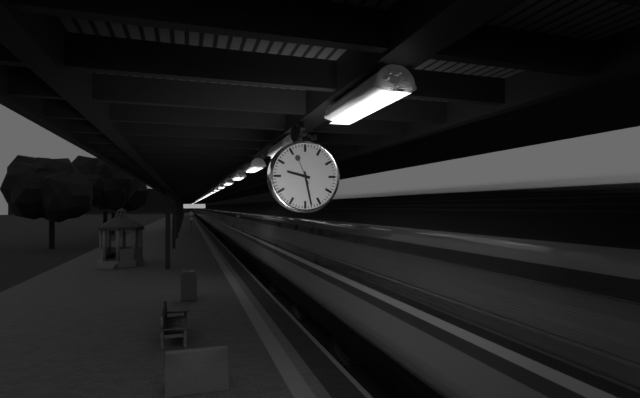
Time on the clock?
9:28
